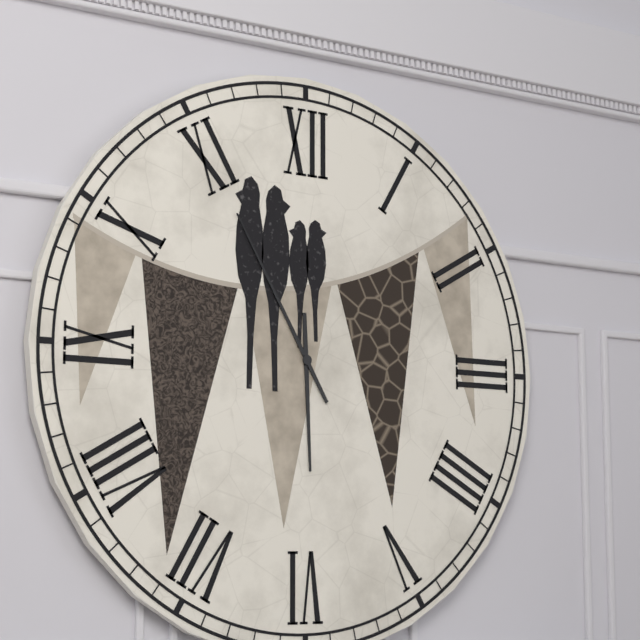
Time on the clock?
5:55
